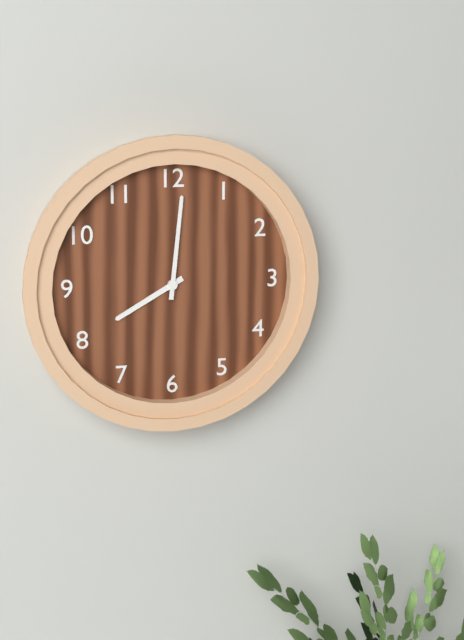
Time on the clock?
8:01
